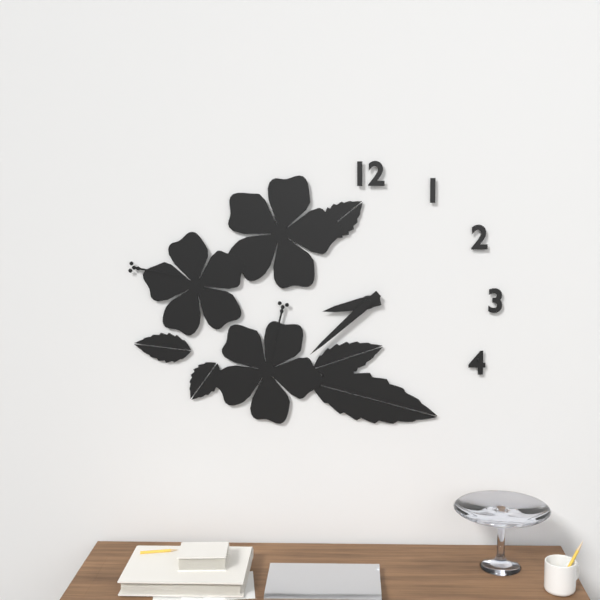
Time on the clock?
8:38
